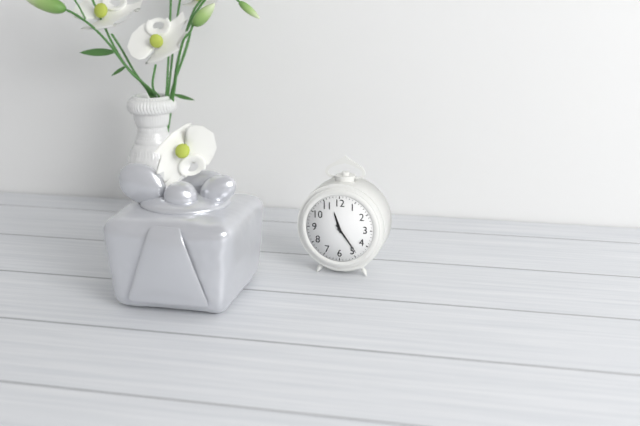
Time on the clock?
11:24
